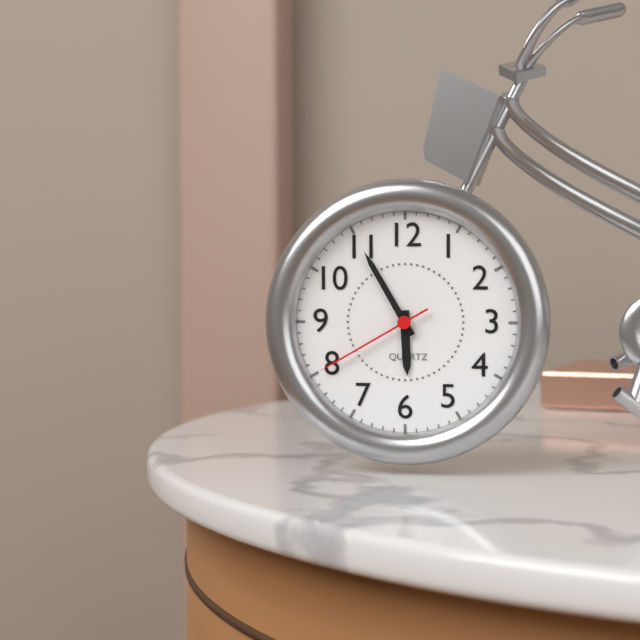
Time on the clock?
5:55:40
